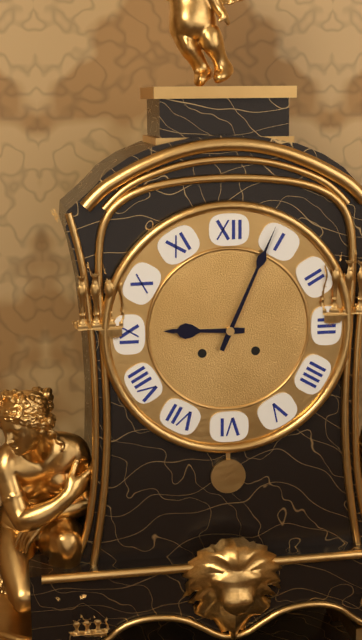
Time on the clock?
9:04
